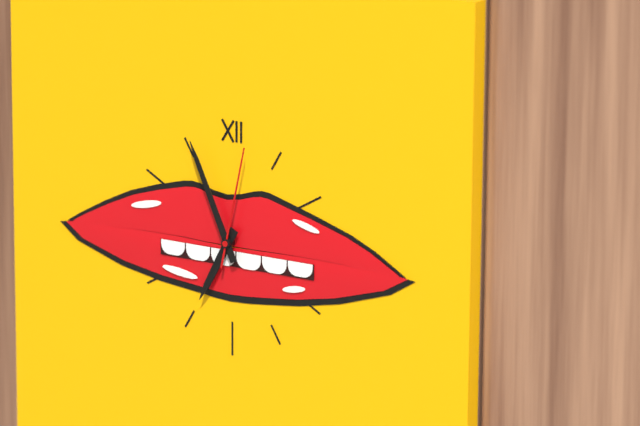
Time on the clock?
6:56:02
